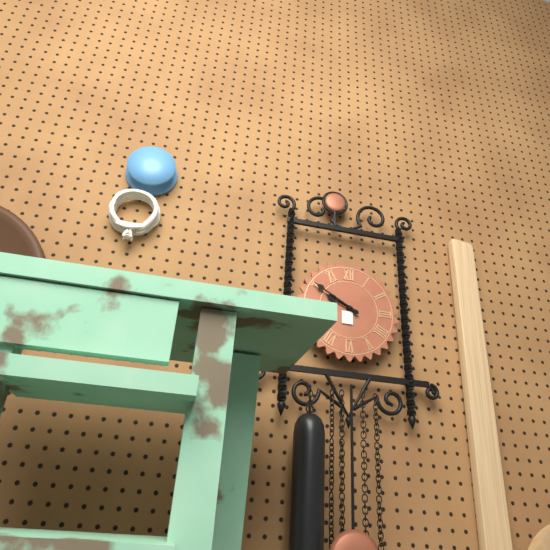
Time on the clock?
9:50
